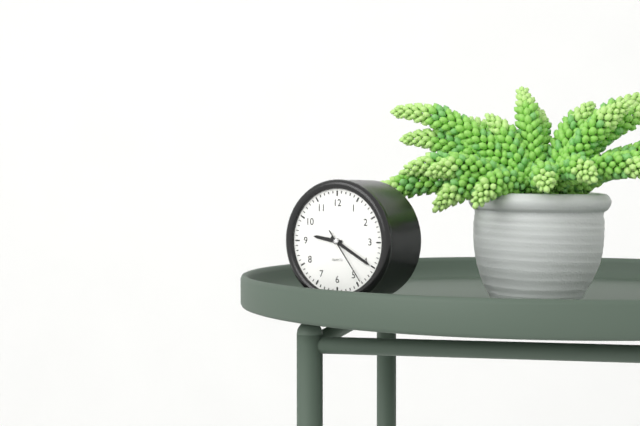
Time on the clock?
9:20:24
